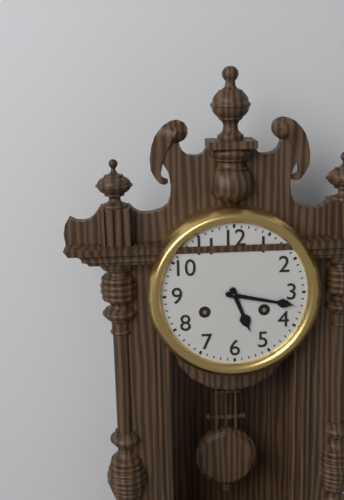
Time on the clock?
5:17
